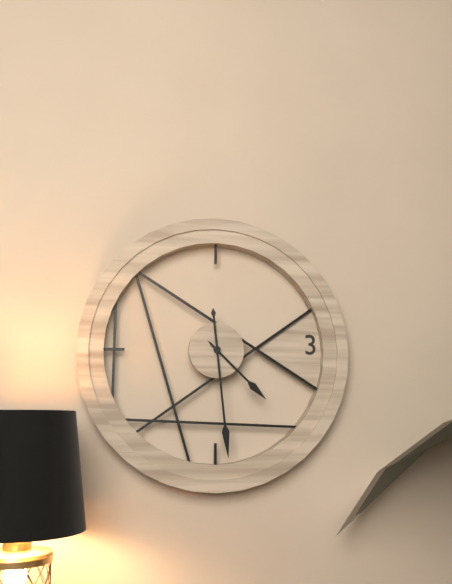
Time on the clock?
4:29
